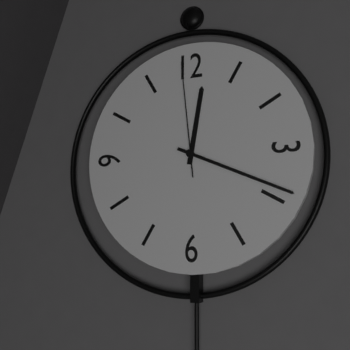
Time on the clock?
12:19:59
